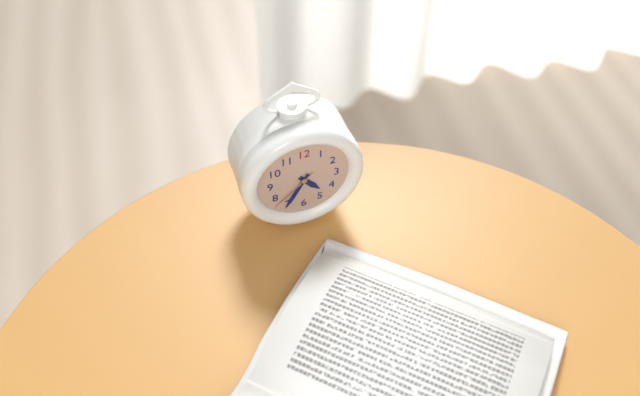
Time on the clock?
4:35:38
